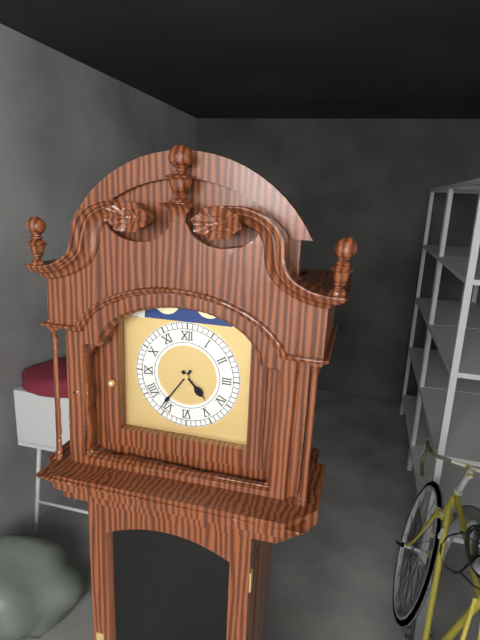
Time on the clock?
4:36
